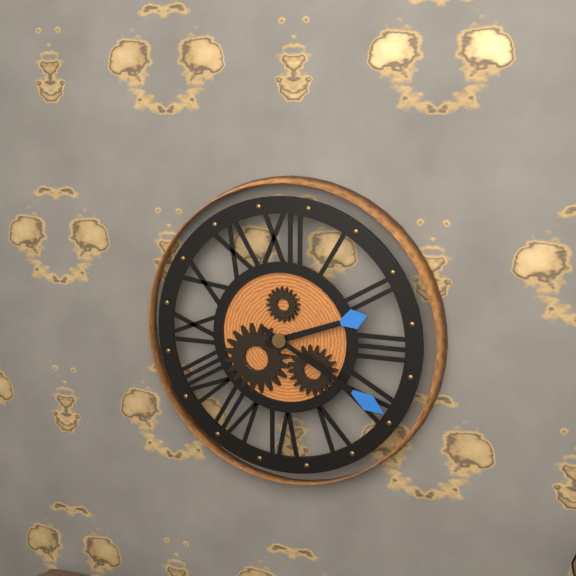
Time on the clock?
2:20
